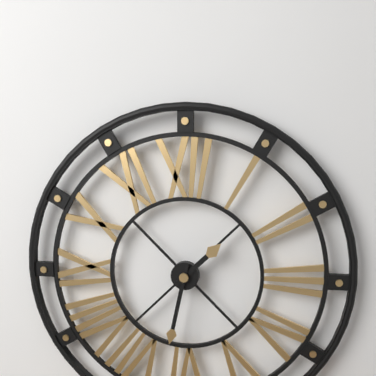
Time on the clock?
1:32
